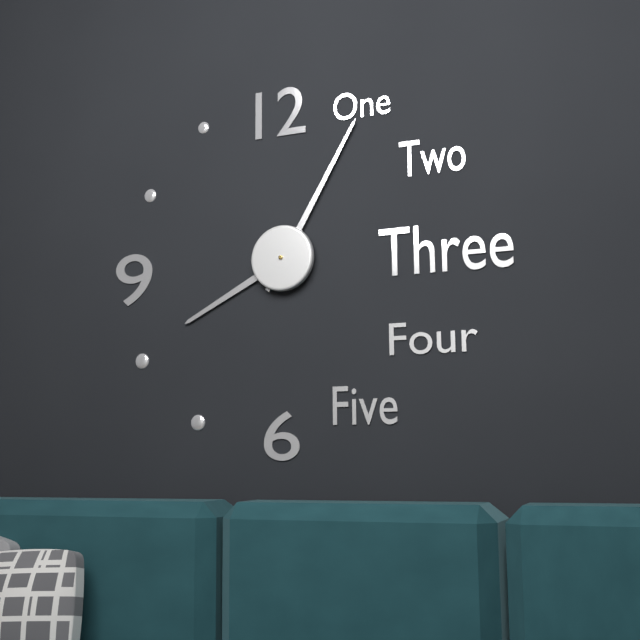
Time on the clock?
8:05
